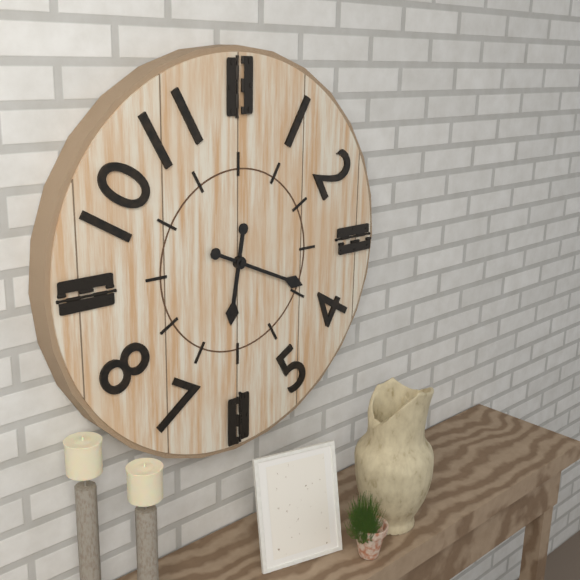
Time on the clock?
6:19
